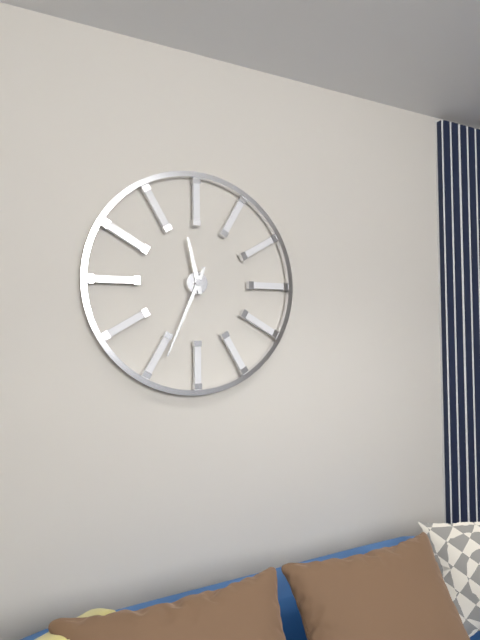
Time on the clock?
11:34
